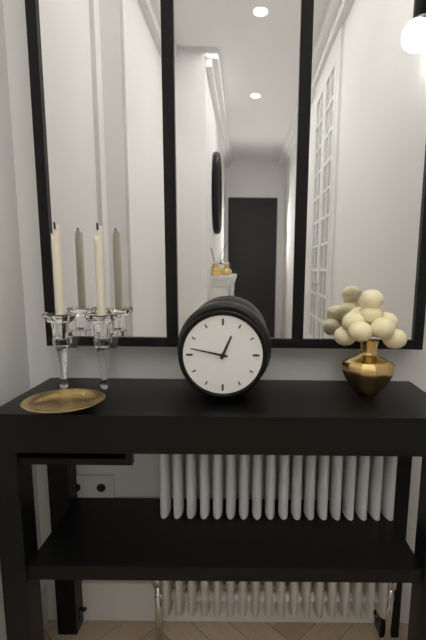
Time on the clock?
12:47
